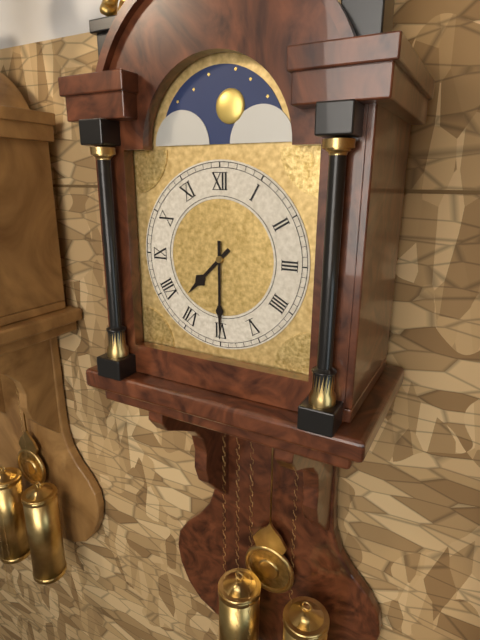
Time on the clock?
7:30
